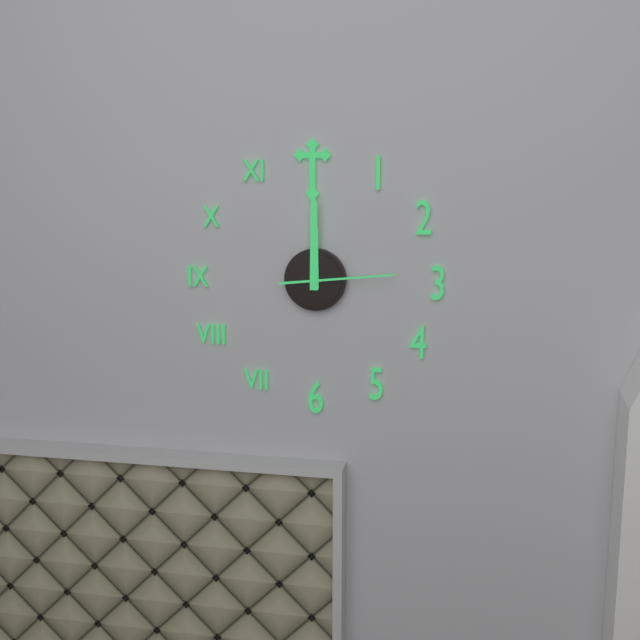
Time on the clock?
12:00:14
